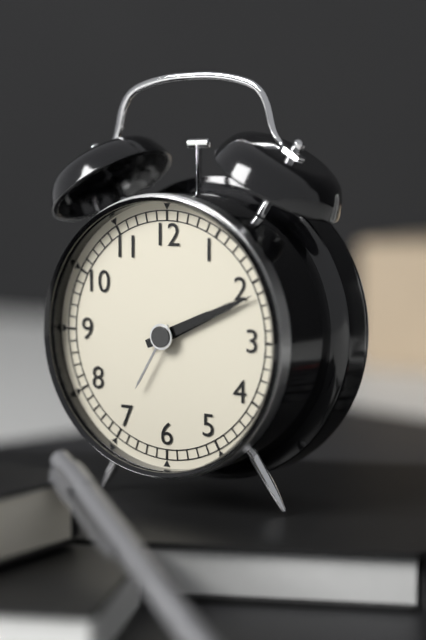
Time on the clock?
2:11
